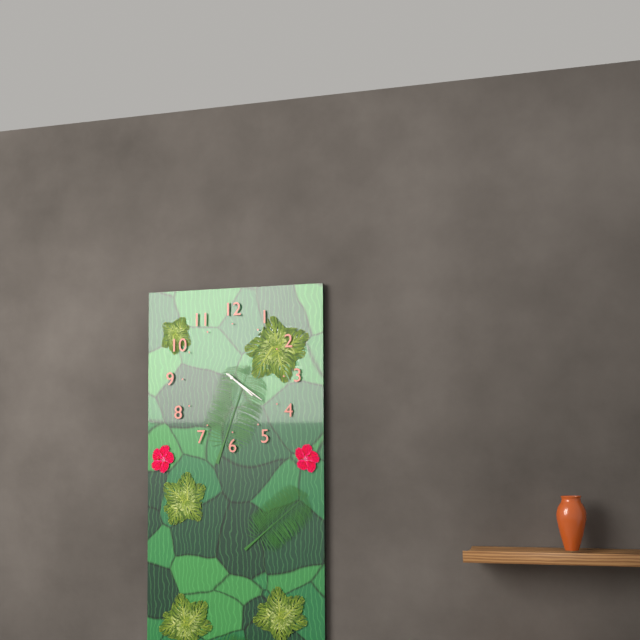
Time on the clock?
4:21
